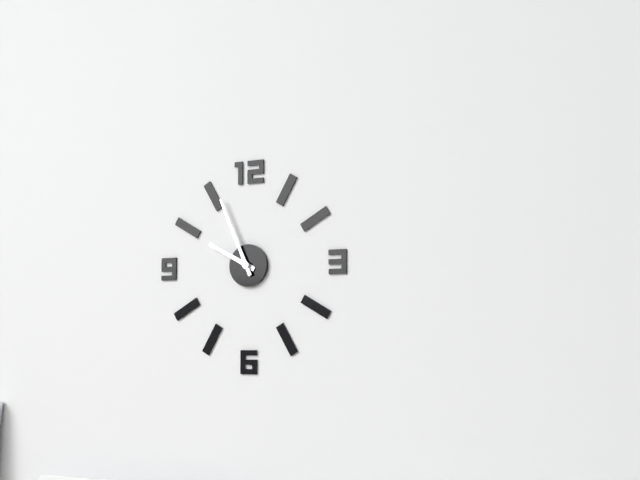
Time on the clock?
9:56
